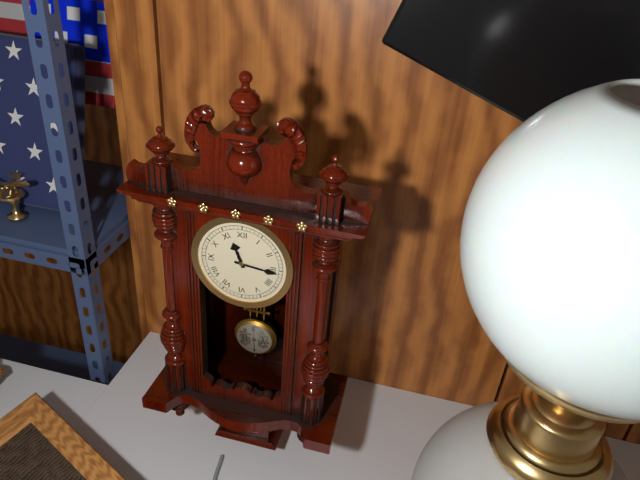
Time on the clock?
11:16
